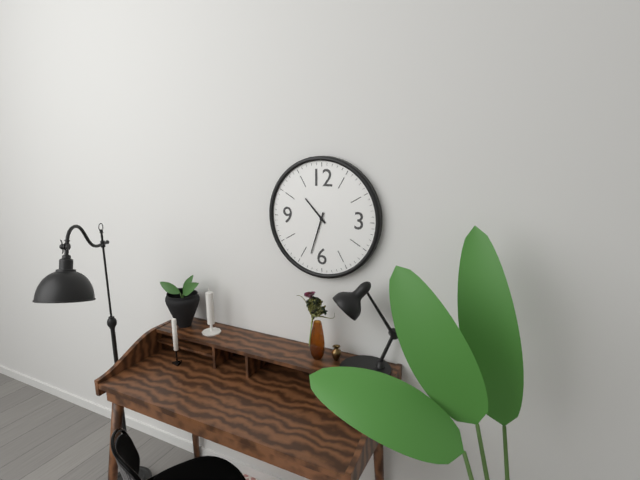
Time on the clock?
10:33
